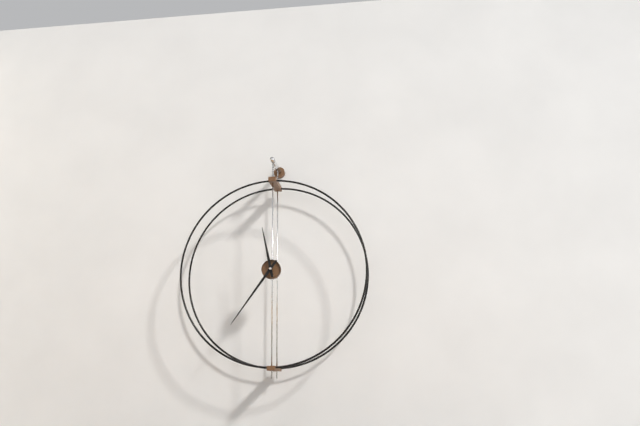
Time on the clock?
11:36
